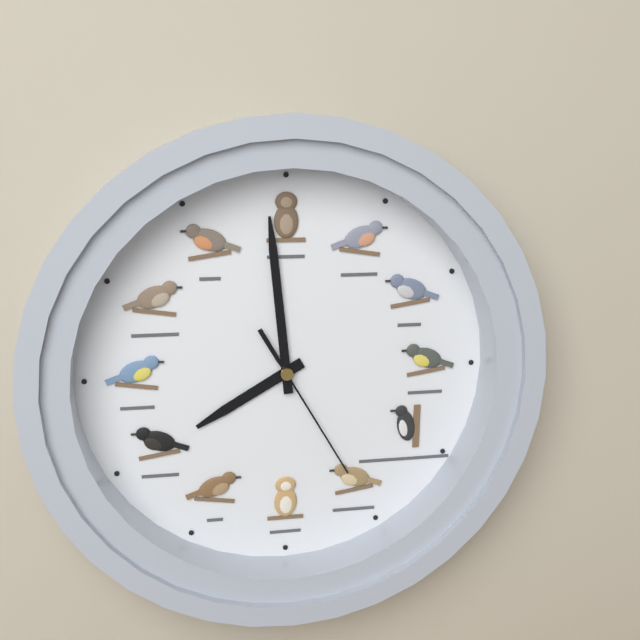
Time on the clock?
7:59:25
